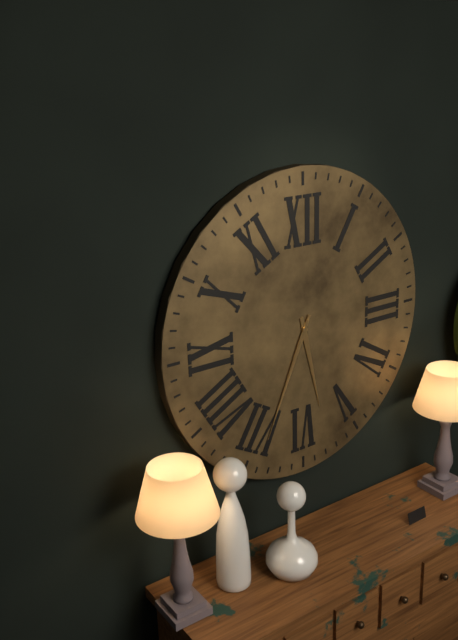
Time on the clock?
5:34
